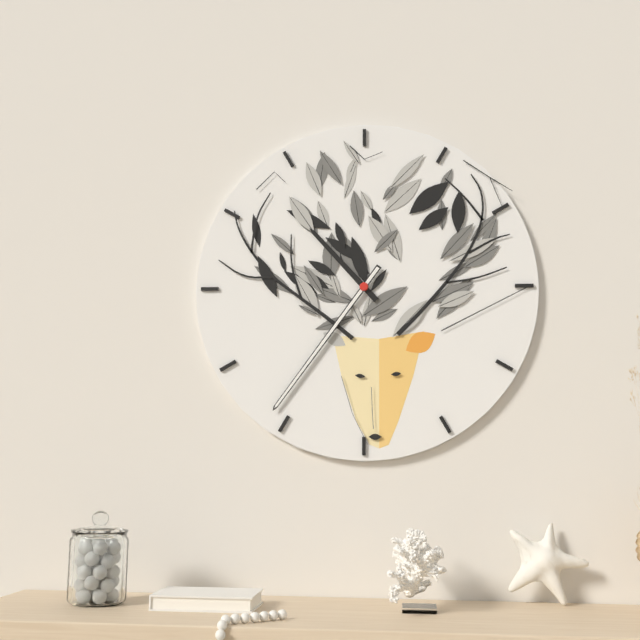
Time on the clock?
10:36
